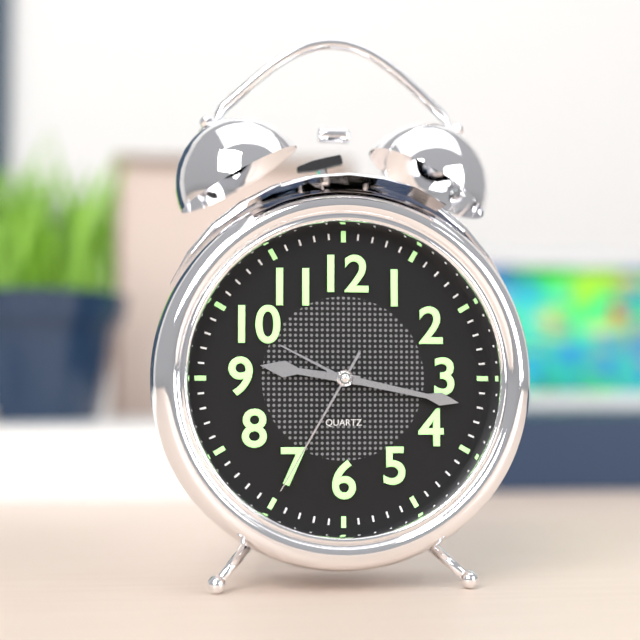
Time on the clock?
9:17:35
